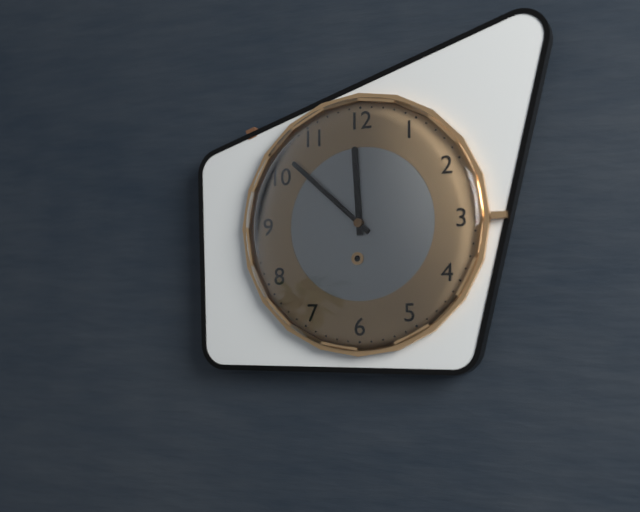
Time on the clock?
11:52
